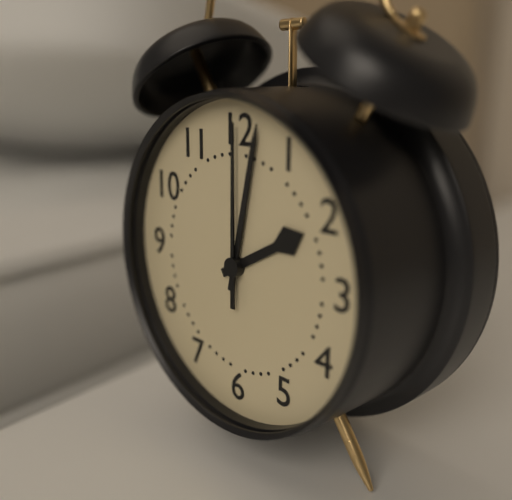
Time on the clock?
2:02:00
